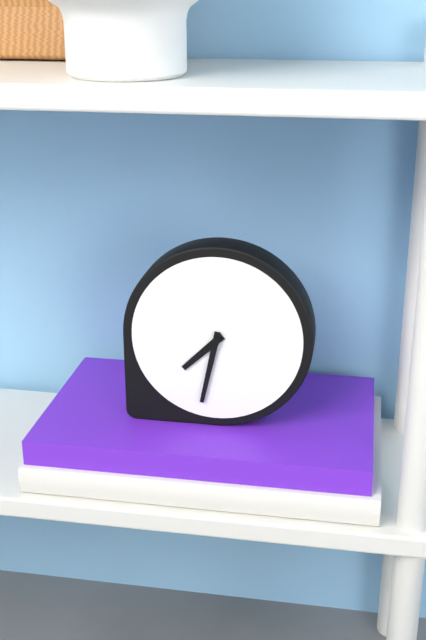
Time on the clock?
7:32
